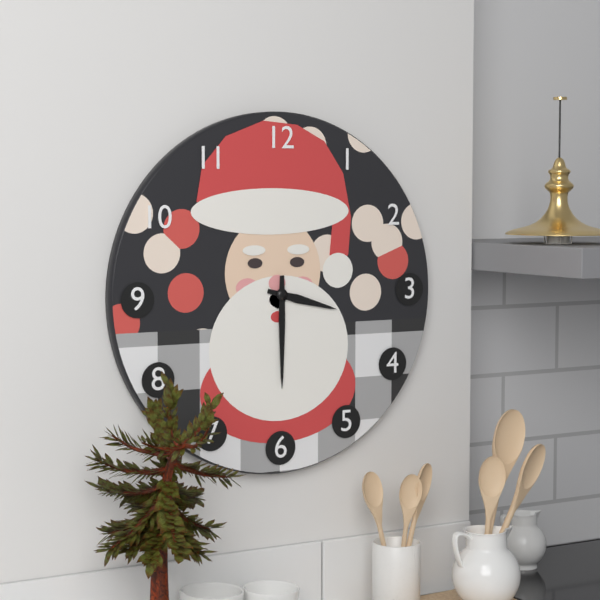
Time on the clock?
3:30
